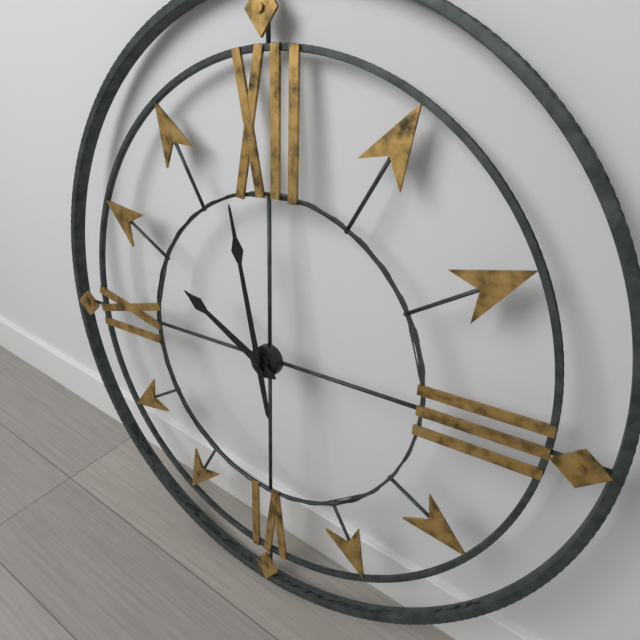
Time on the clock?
9:58
